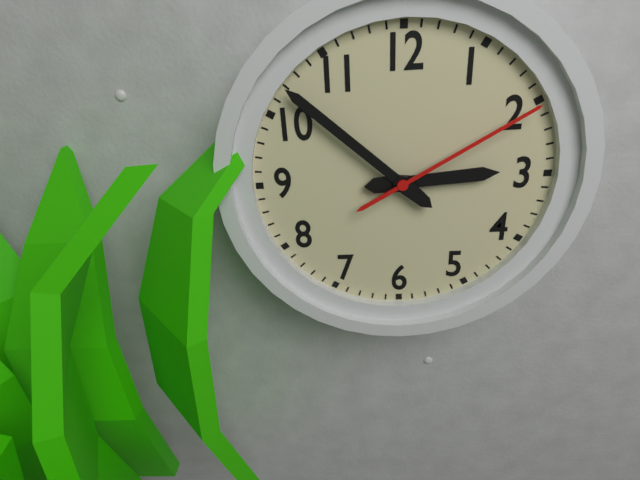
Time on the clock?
2:52:10
